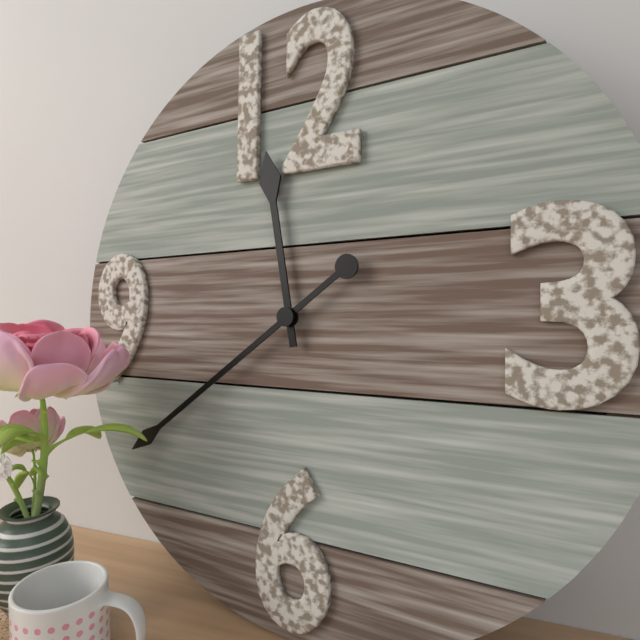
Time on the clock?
11:39
